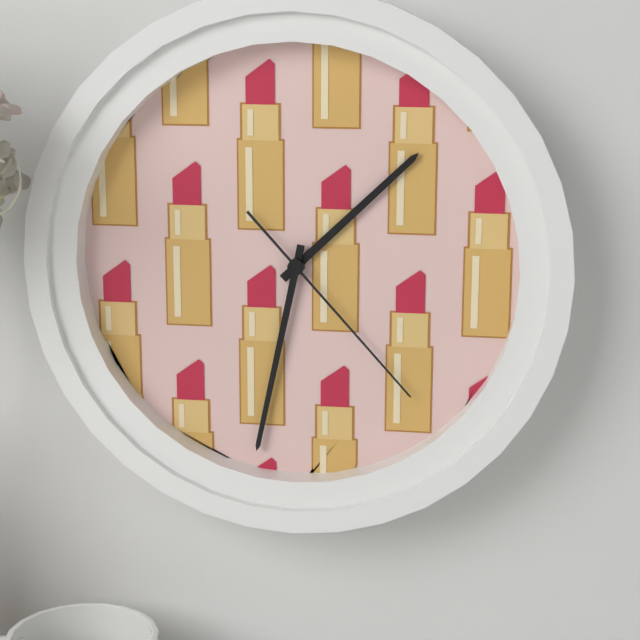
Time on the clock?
1:32:23
